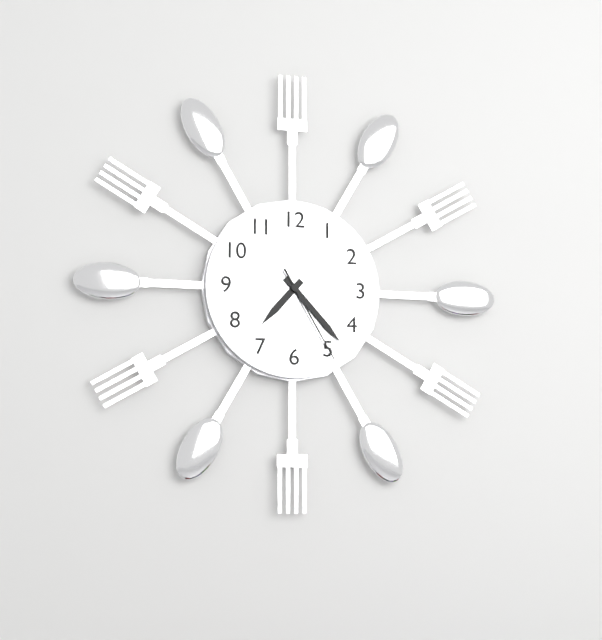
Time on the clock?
7:23:25
